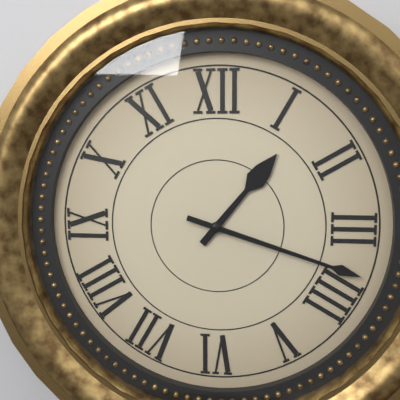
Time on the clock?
1:18
